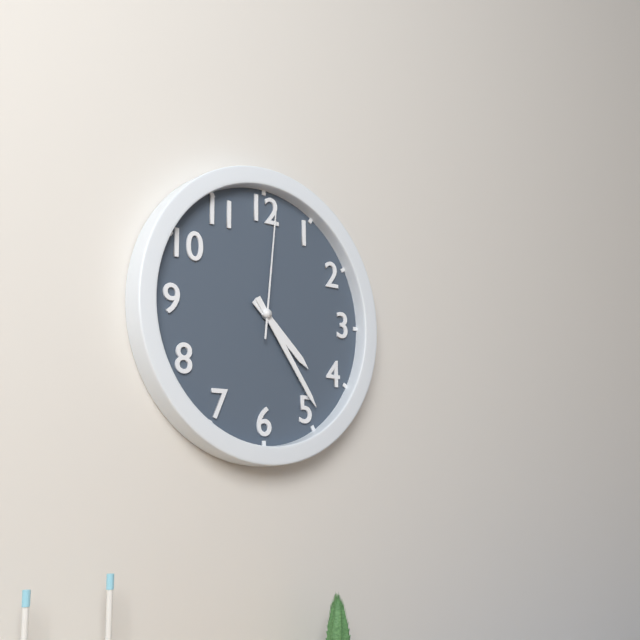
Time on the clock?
4:24:01
